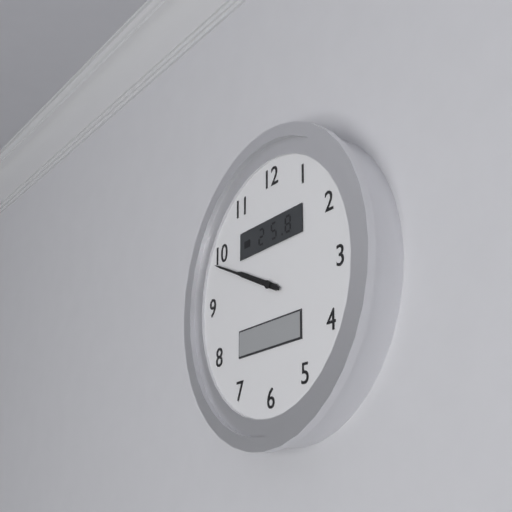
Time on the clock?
9:49
